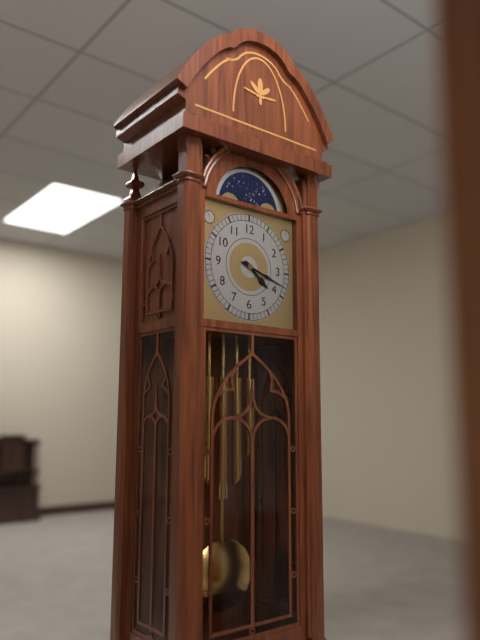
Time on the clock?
4:18
